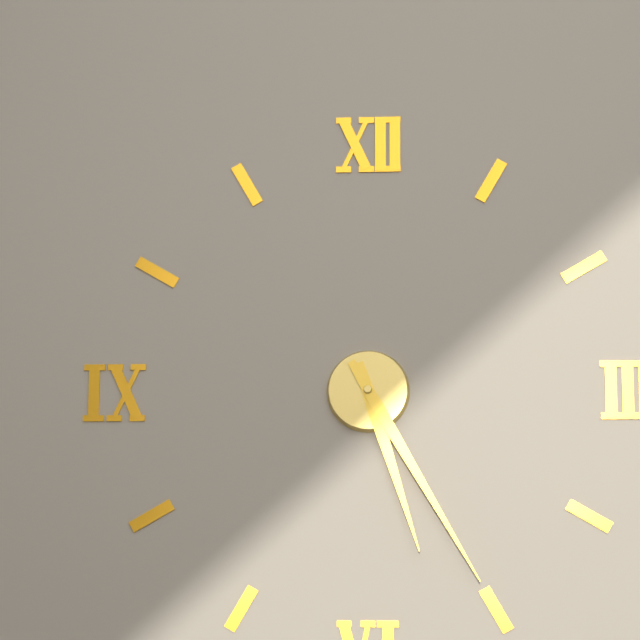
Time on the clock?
5:25
